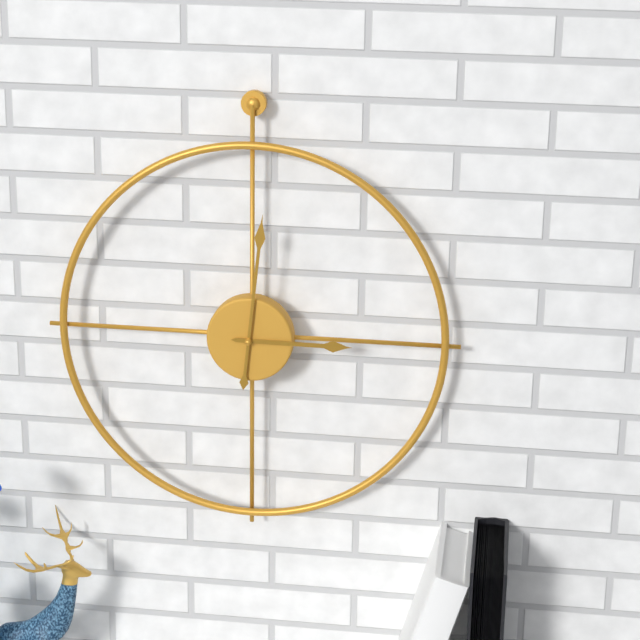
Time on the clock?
3:01
